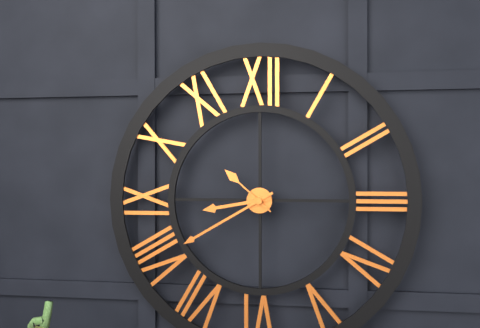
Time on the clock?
8:40:52
